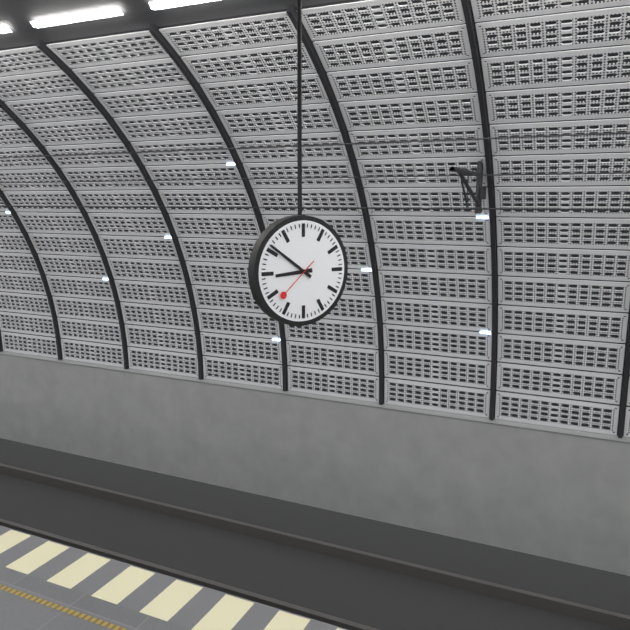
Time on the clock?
8:51
